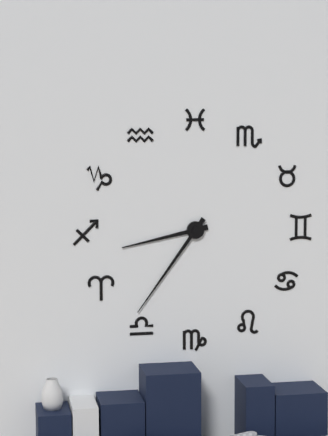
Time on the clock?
8:36
